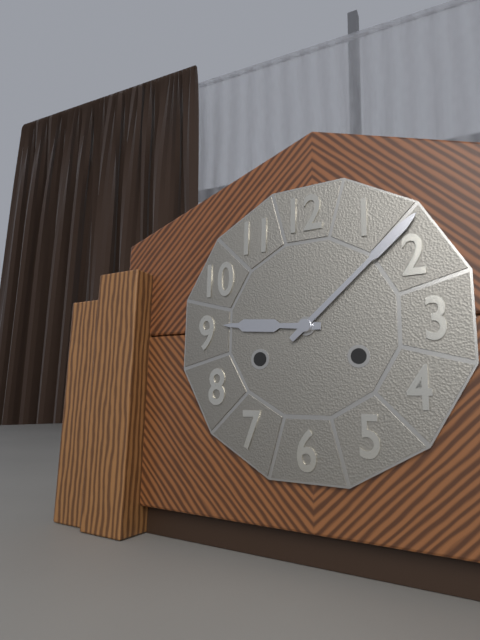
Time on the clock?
9:08
